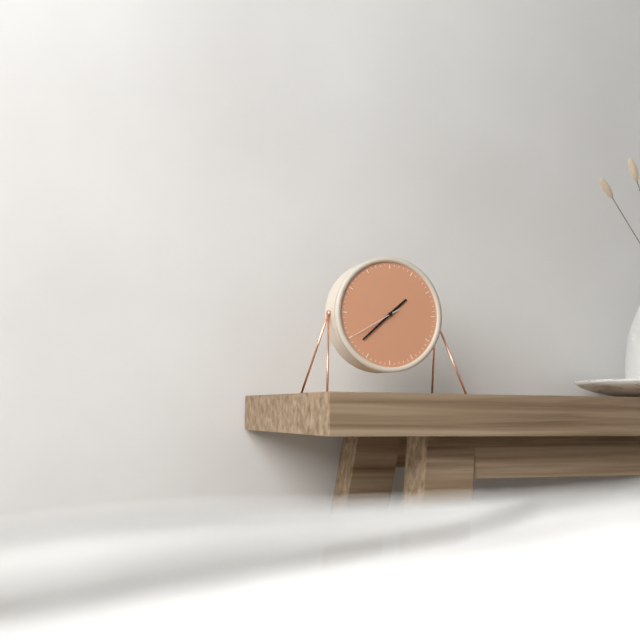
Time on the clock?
1:38:40
